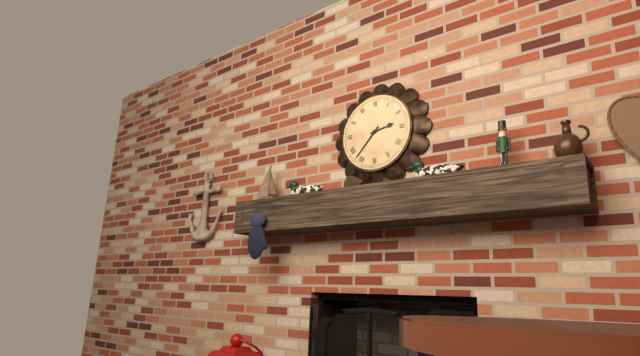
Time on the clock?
2:37
